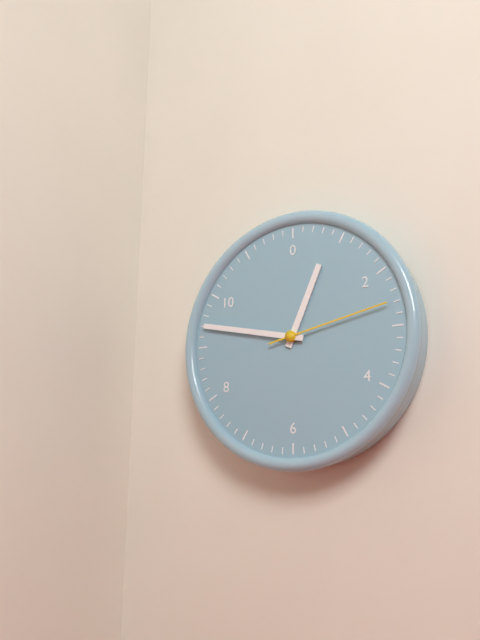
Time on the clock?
12:47:13
